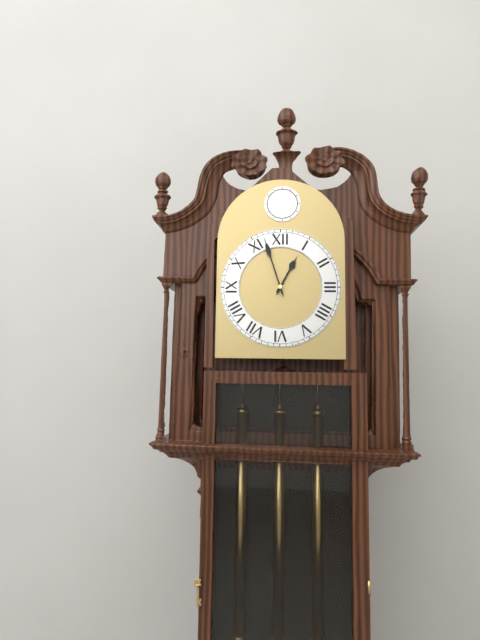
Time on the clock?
12:57
